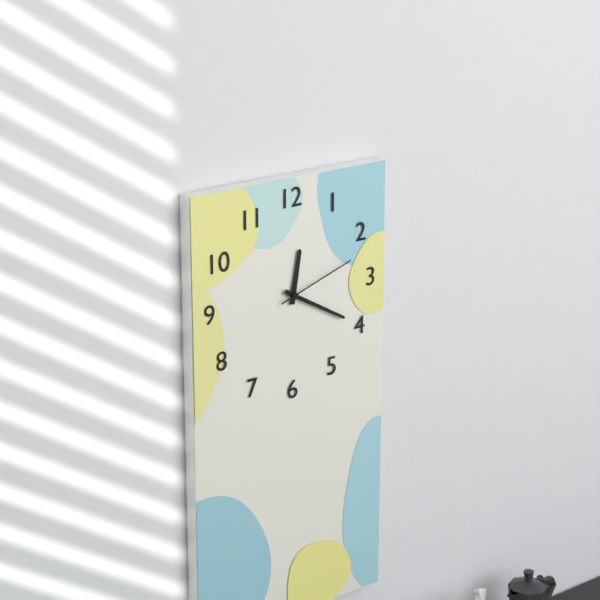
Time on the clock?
12:20:12
